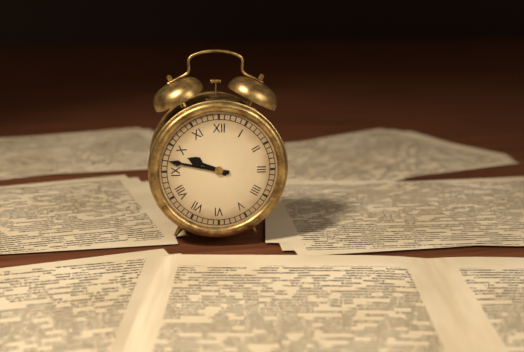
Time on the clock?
9:47
